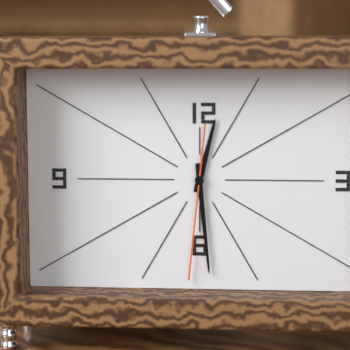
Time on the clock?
12:29:31
